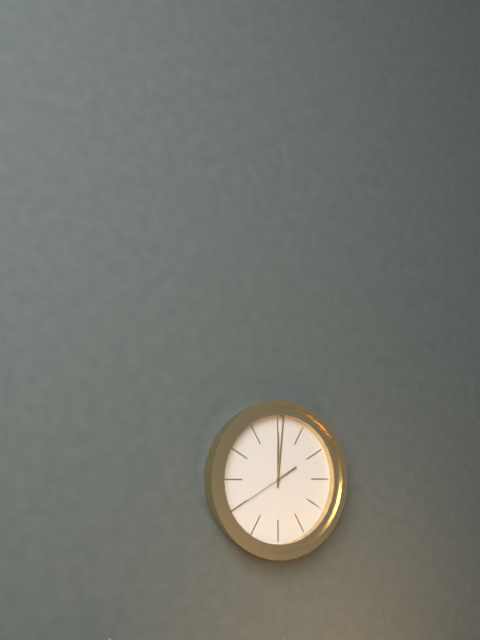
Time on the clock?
12:01:40
